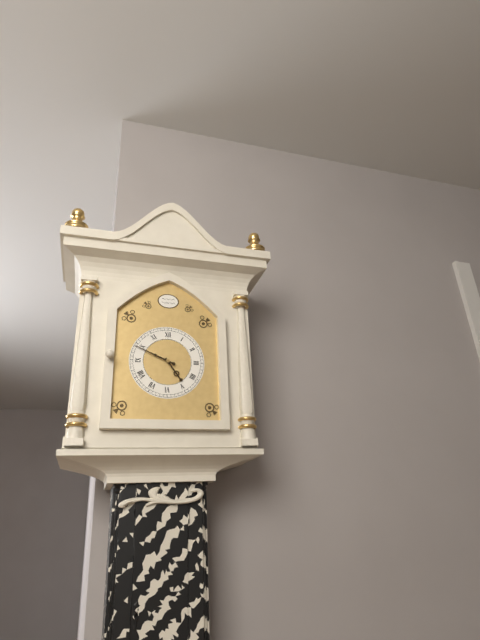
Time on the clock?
4:49
